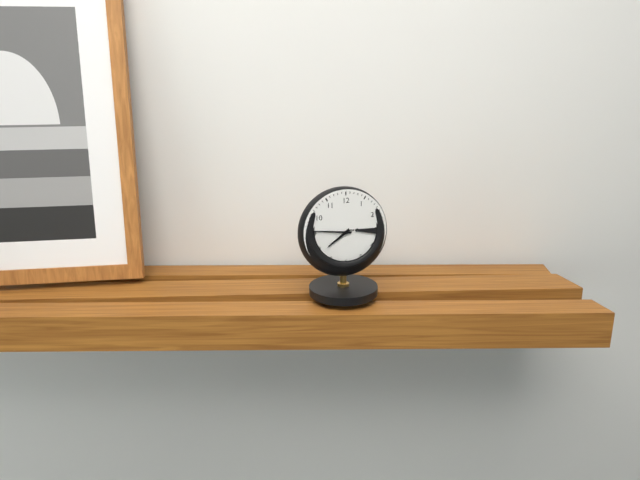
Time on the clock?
7:46
